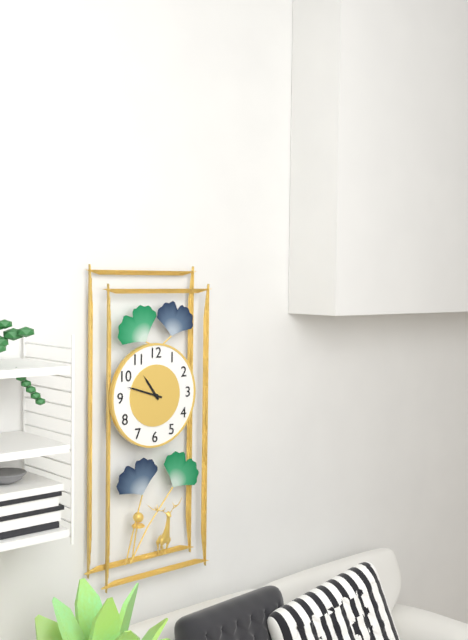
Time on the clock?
10:48
